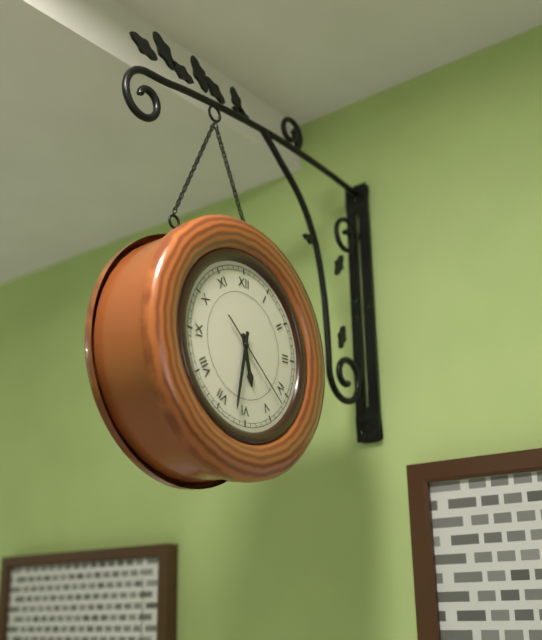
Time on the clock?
5:32:22
